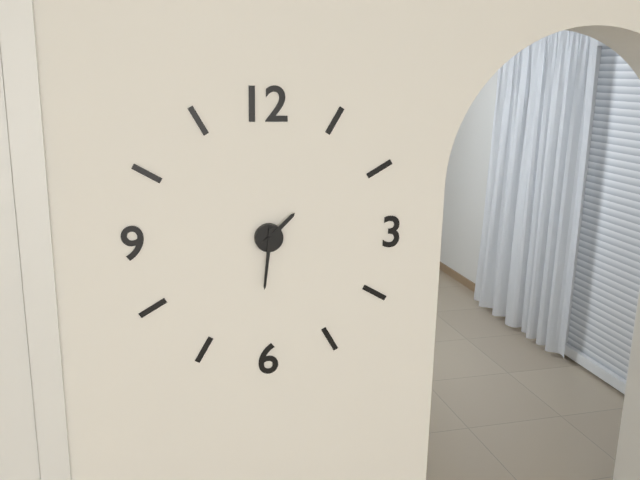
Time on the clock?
1:31
